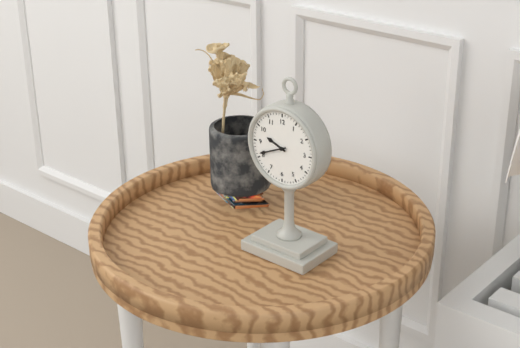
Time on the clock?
9:41
